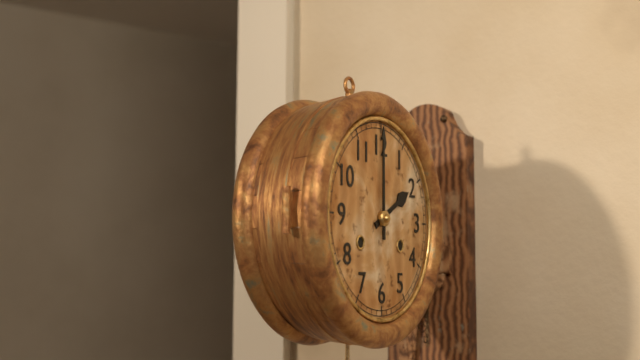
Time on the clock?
2:00
